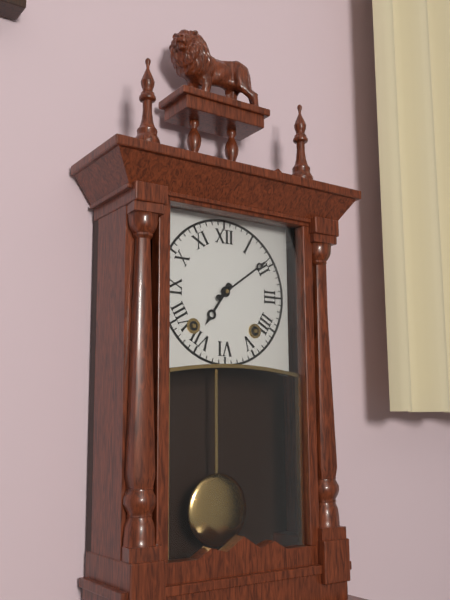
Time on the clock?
7:09
